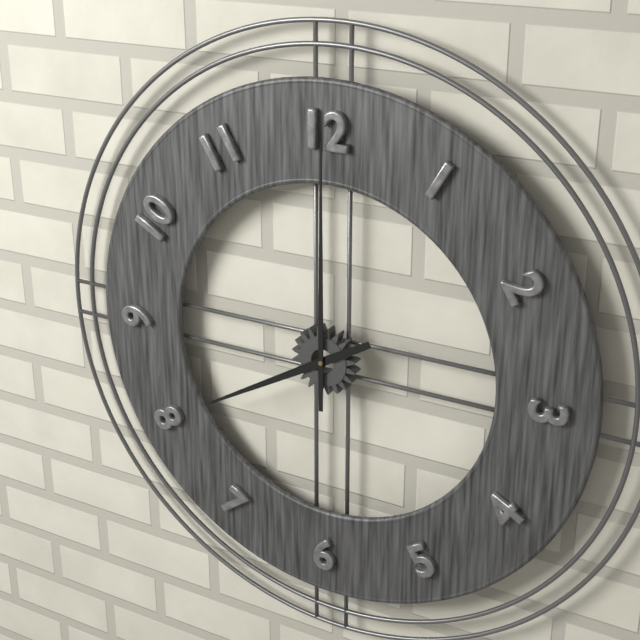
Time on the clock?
8:00
